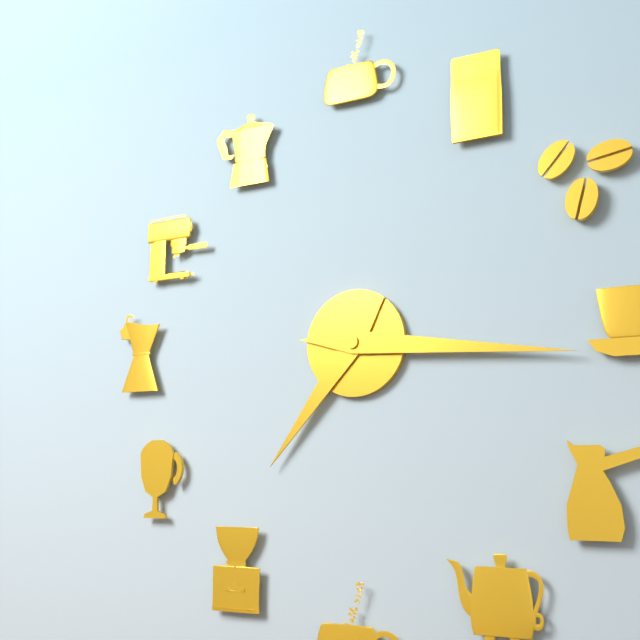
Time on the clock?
7:16
